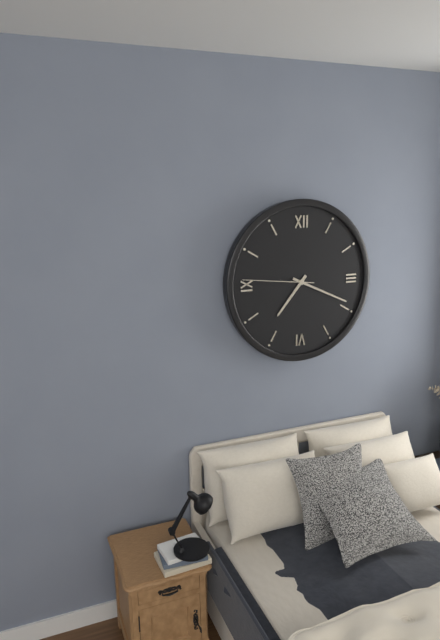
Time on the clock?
7:19:46
